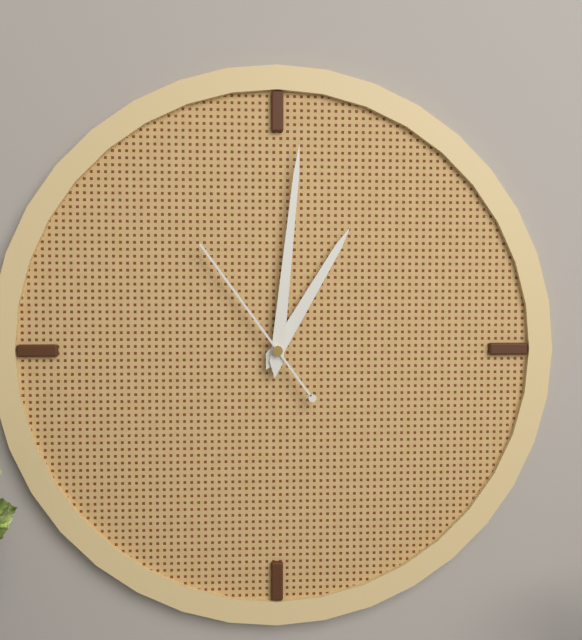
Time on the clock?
1:01:54
